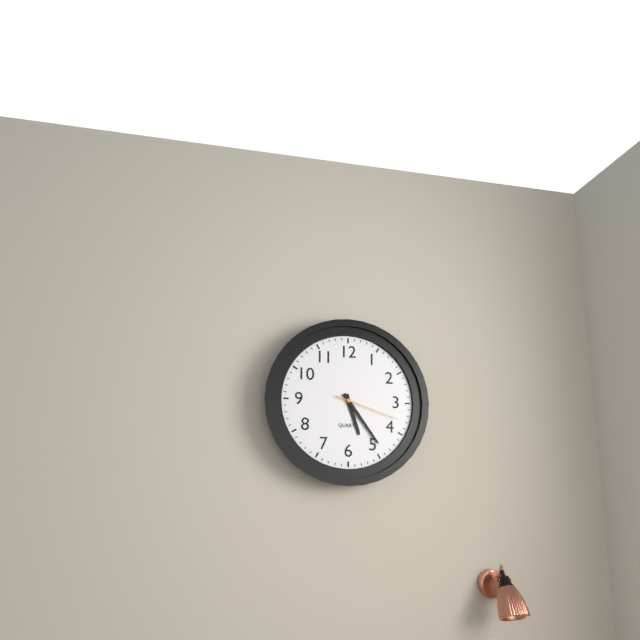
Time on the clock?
5:24:18
